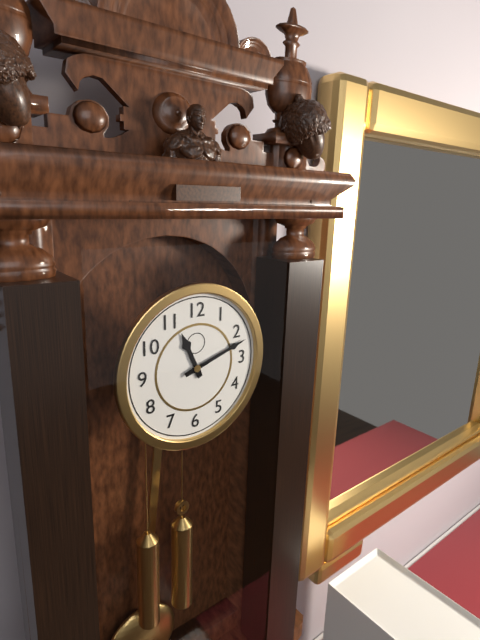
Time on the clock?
11:12
